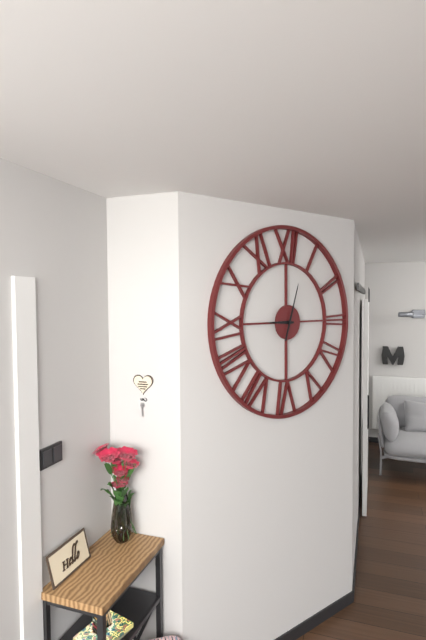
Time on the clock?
9:03
